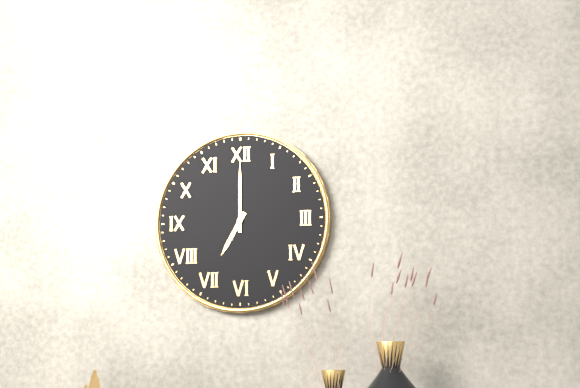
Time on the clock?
7:00
